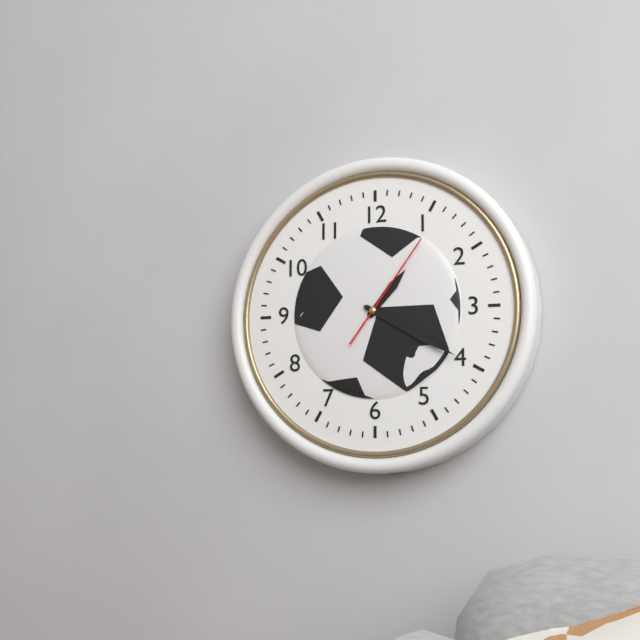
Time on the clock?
1:20:06
